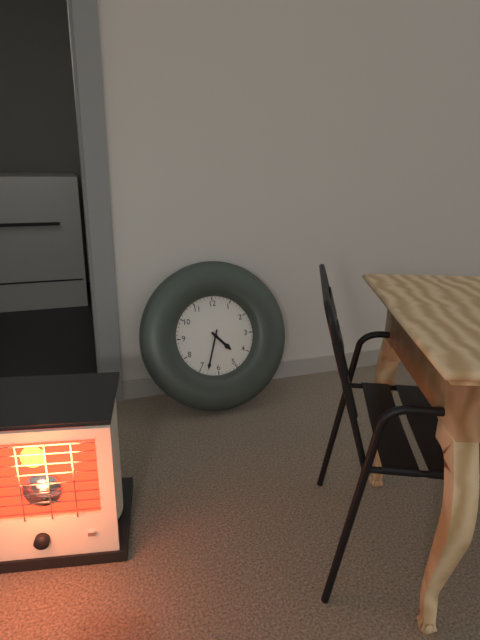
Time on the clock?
4:33
